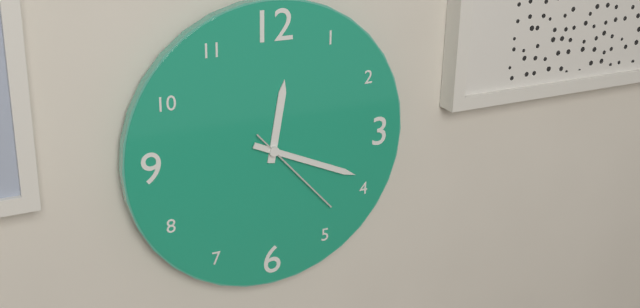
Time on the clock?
12:19:23
